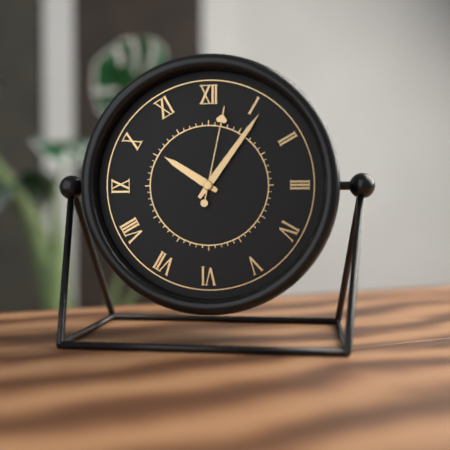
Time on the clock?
10:06:02
